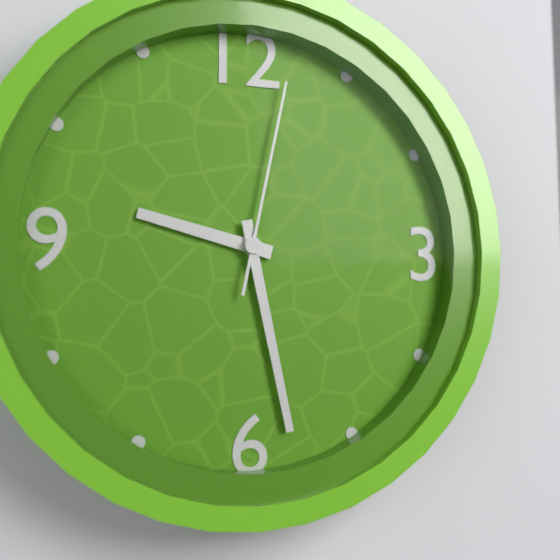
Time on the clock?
9:28:02
